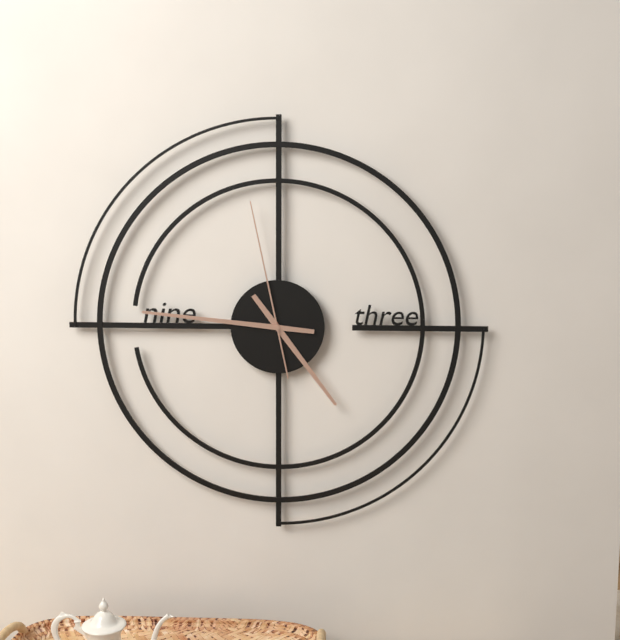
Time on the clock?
4:46:58
